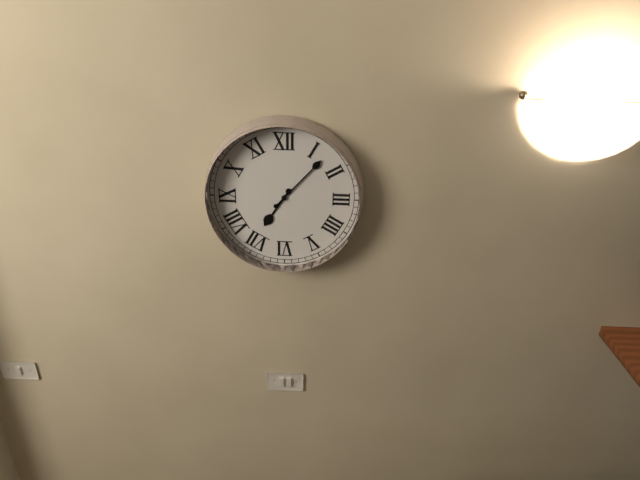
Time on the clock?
7:07
